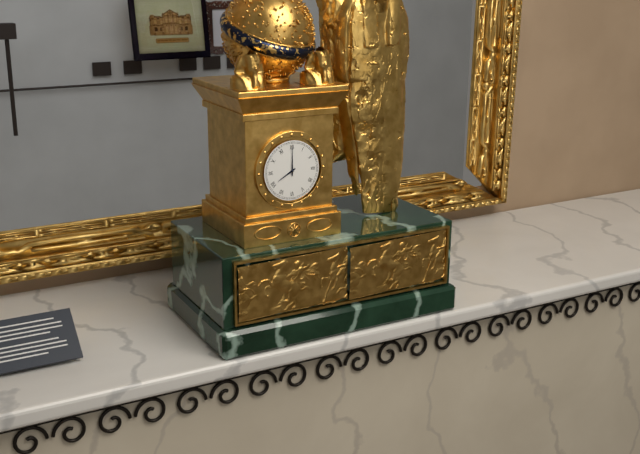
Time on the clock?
8:00
